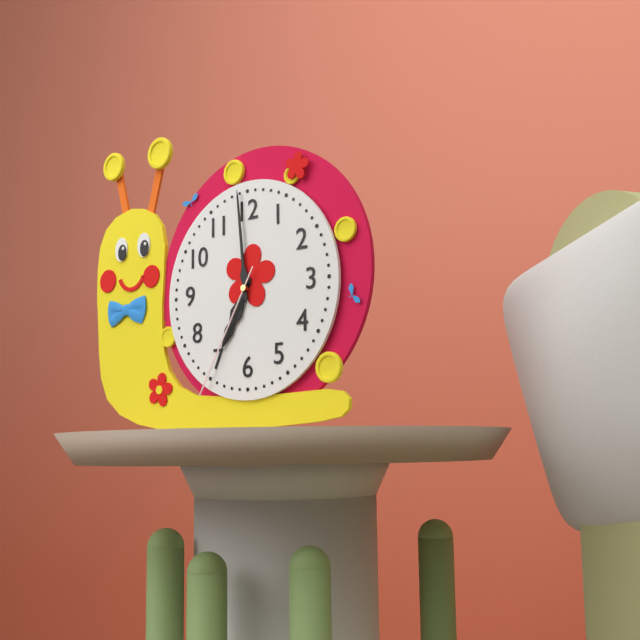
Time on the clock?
6:59:35
